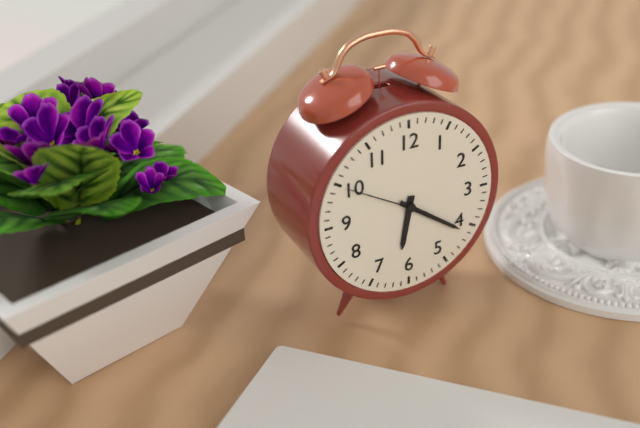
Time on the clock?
6:21:50
